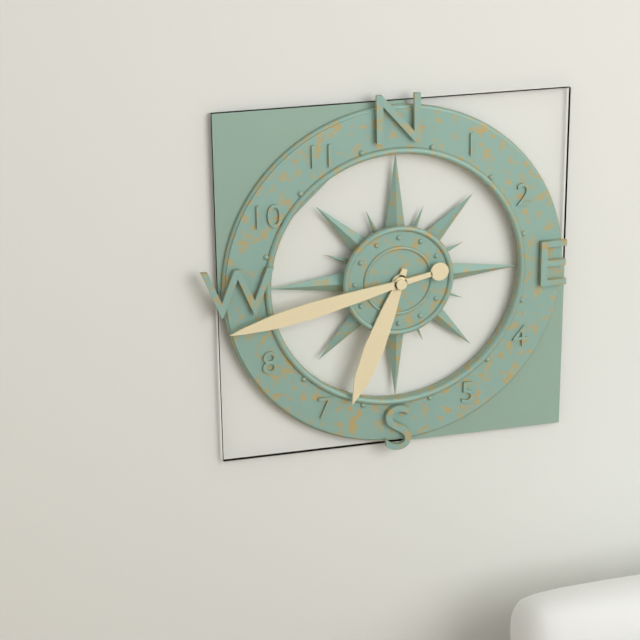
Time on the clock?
6:43
